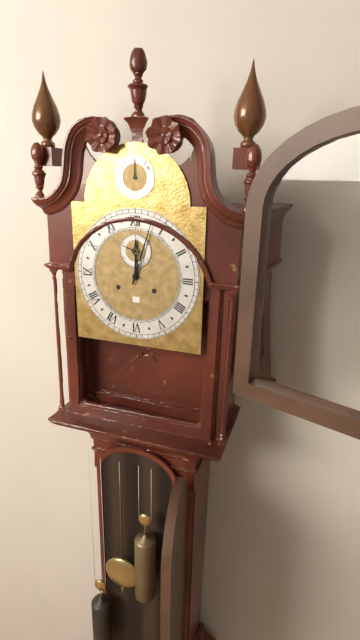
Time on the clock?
12:03
